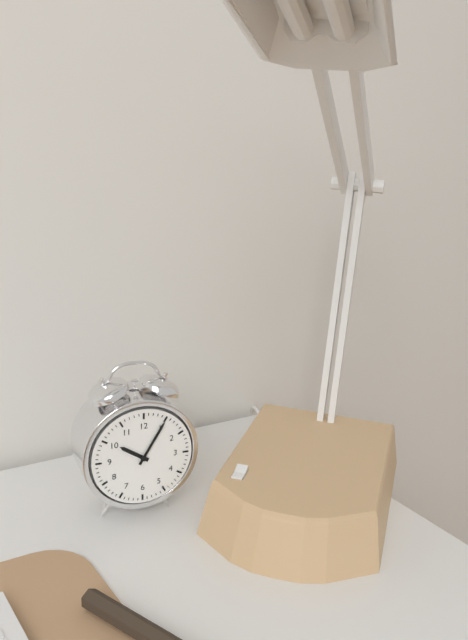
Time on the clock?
10:05
